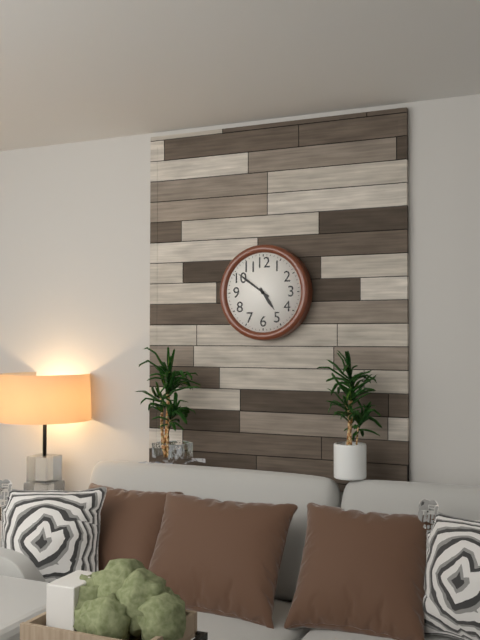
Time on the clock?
4:51
